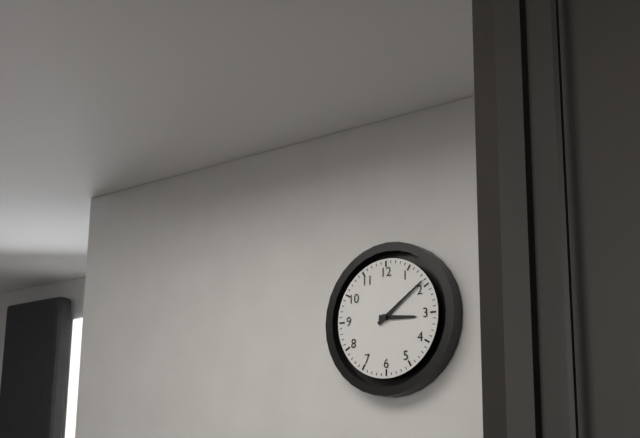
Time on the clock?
3:09
